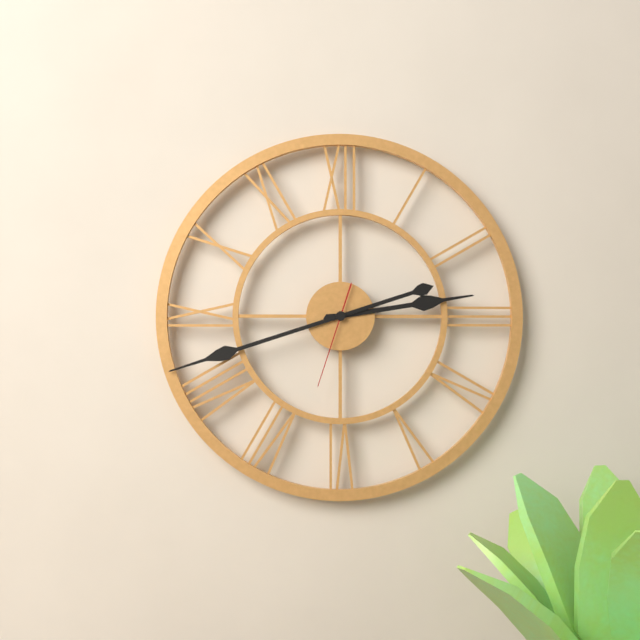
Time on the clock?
2:42:33
